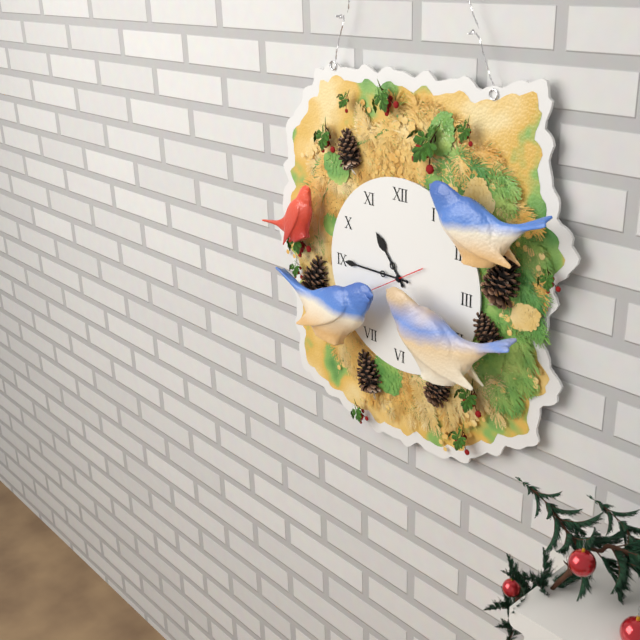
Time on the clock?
10:45
